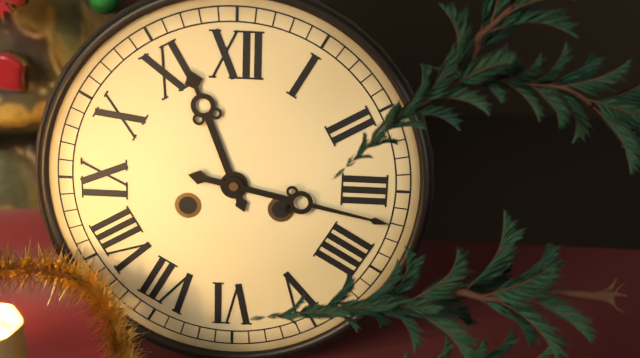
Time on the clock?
11:17
